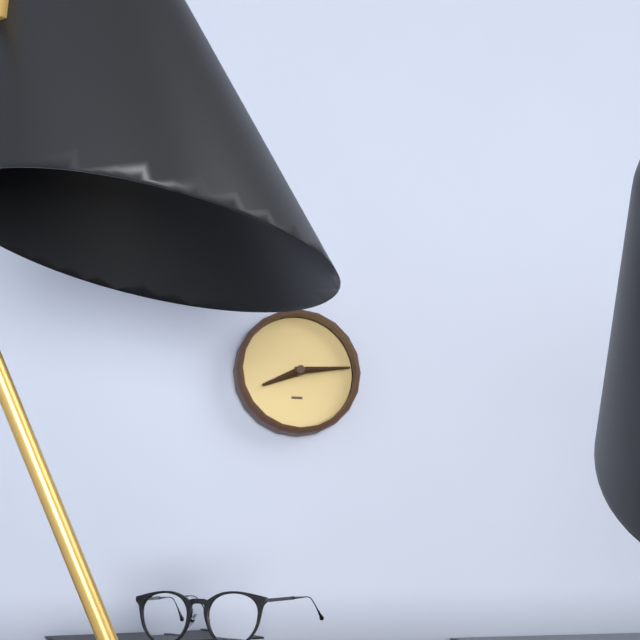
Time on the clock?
8:14
